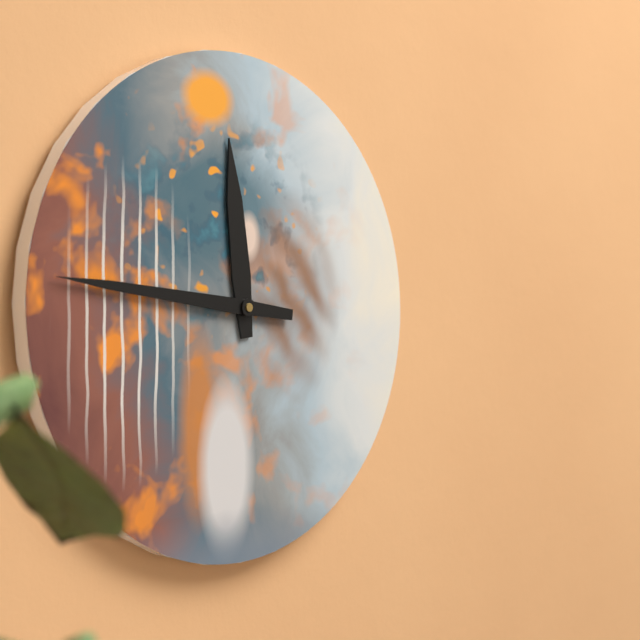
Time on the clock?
11:46
